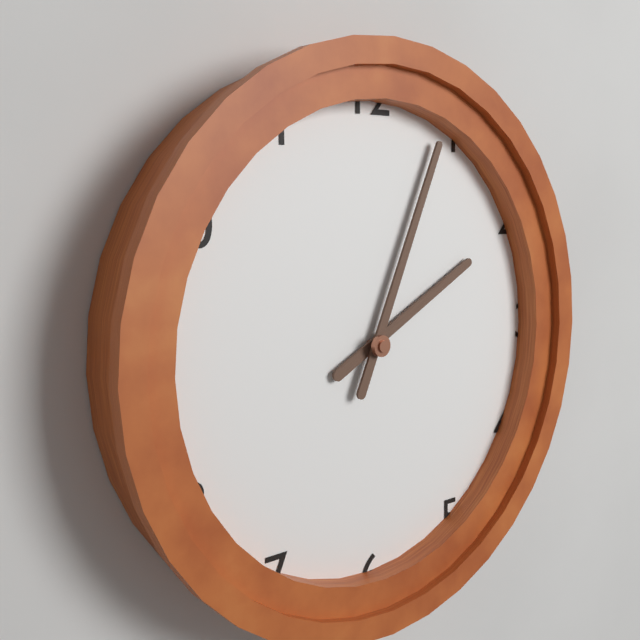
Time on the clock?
2:04
